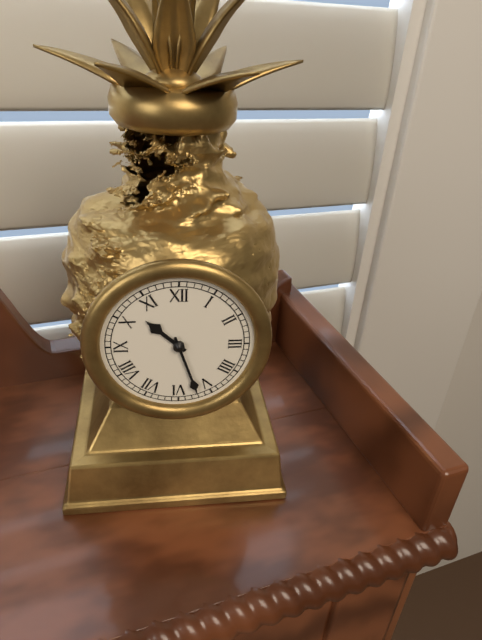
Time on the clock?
10:27
